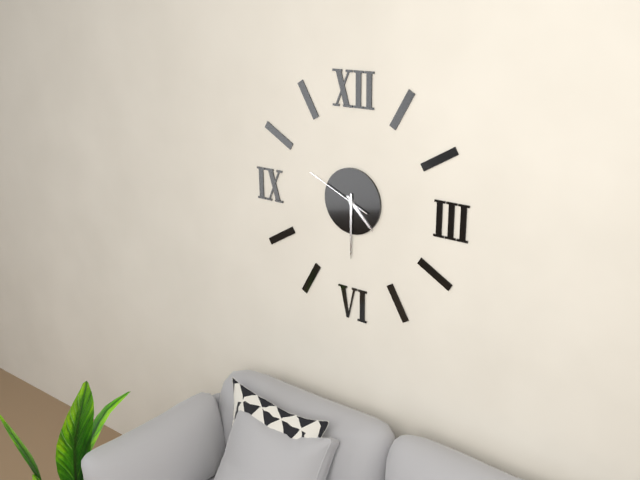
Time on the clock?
4:30:49
